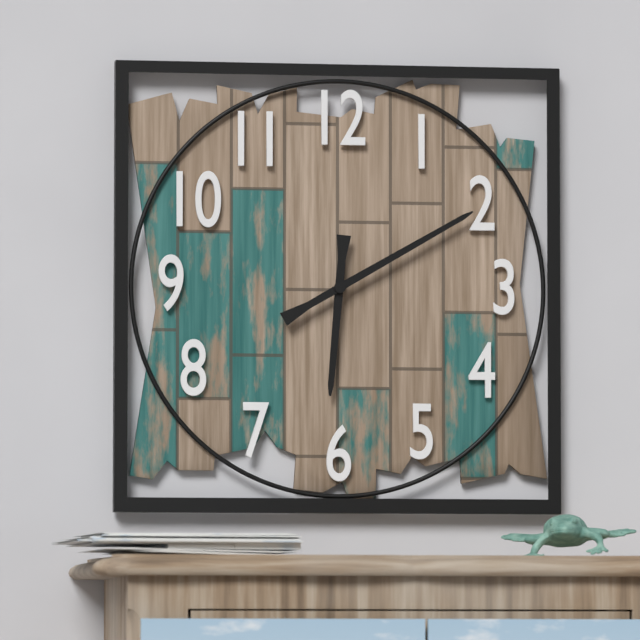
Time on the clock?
6:10
